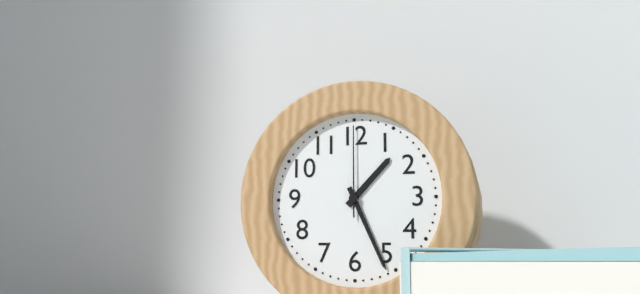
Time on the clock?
1:26:00
